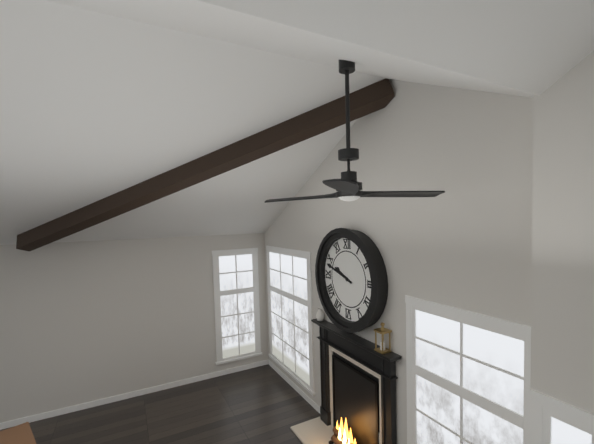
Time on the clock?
9:48
